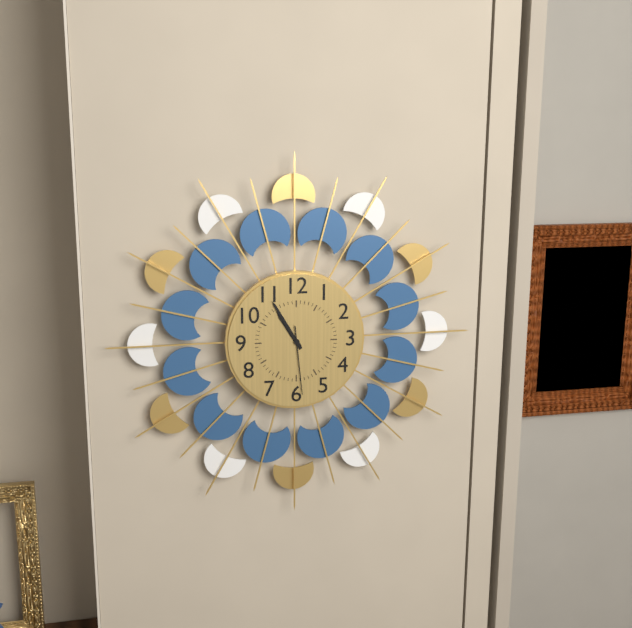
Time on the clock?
10:55:29
